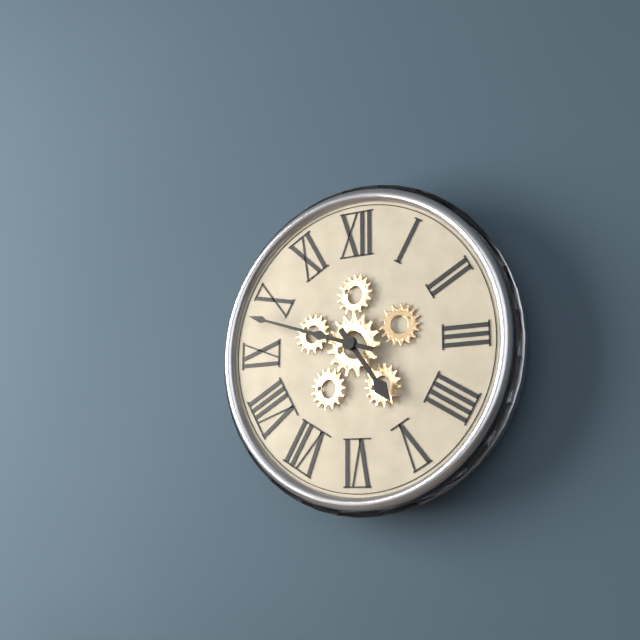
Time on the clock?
4:48
